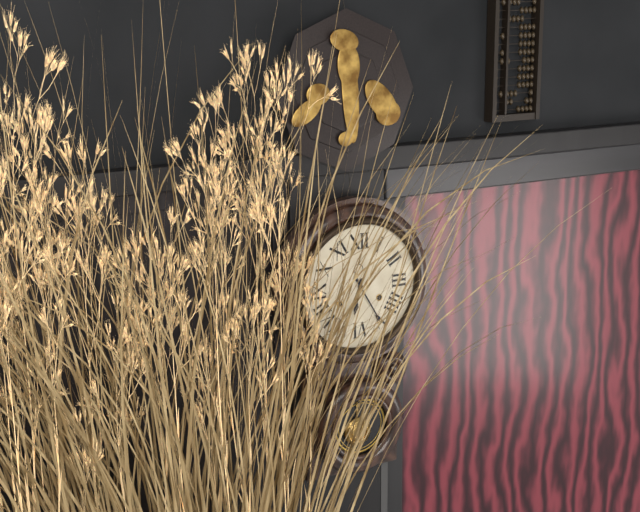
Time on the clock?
6:25
